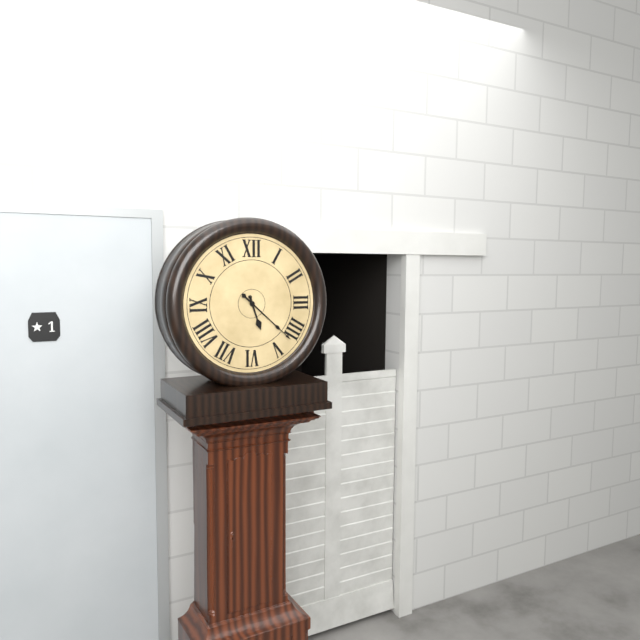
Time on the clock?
5:22
